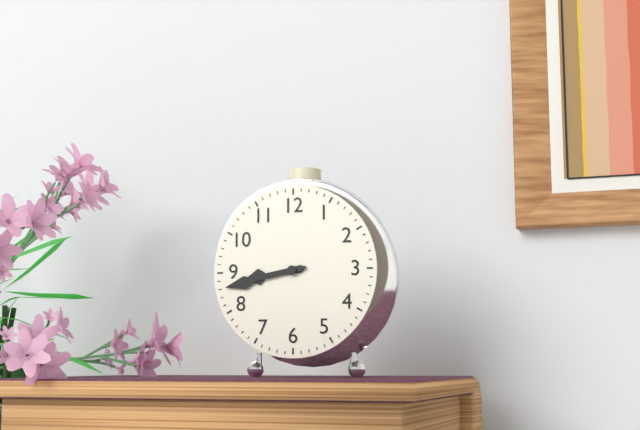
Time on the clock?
8:43
